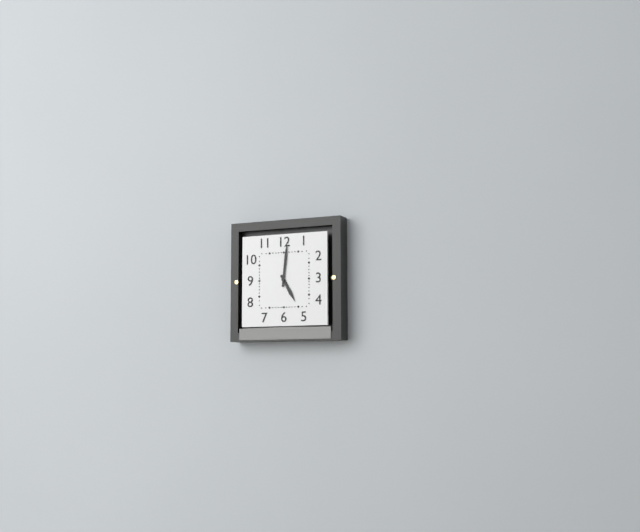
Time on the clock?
5:01
